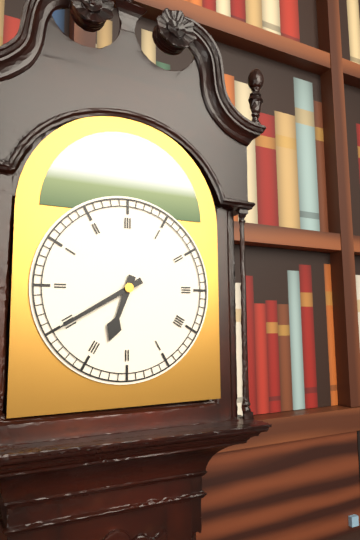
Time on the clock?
6:40
